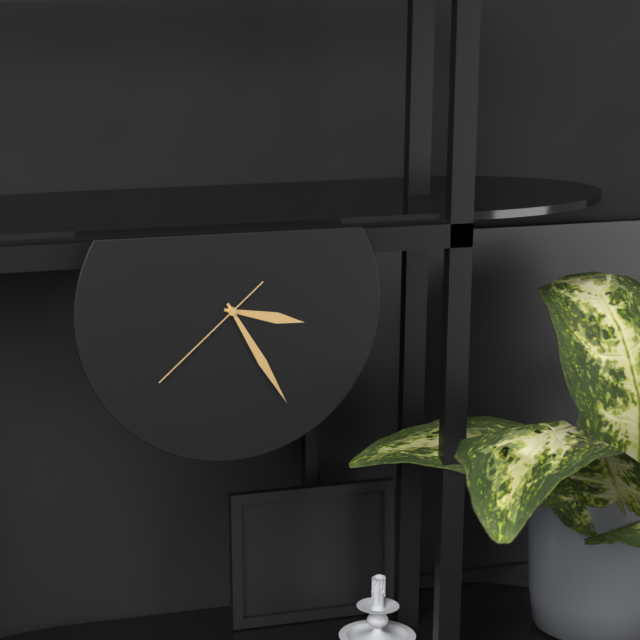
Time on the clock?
3:25:38
